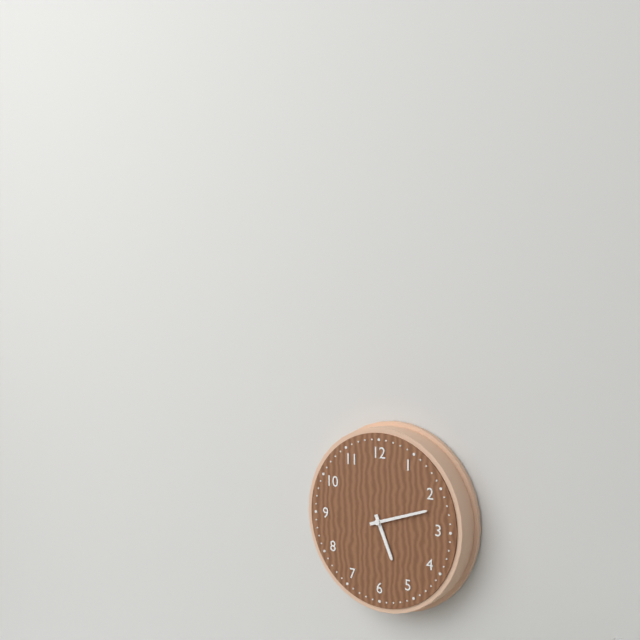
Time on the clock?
5:12
